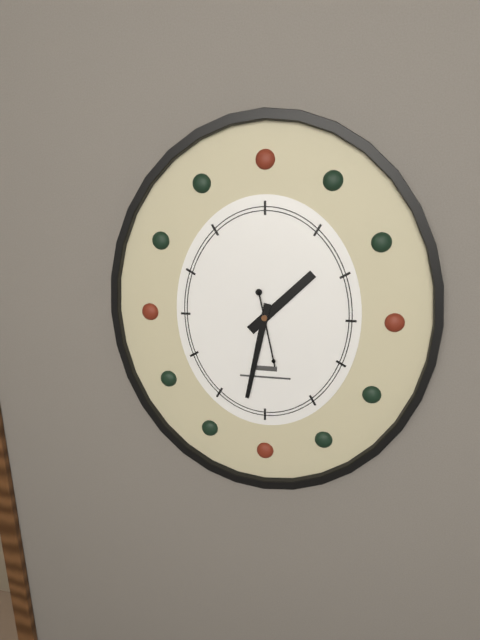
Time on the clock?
1:32:28
